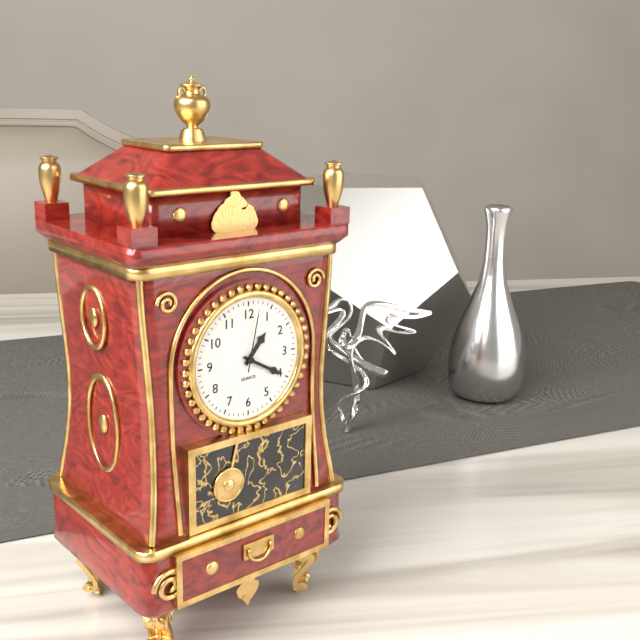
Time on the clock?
1:20:02
